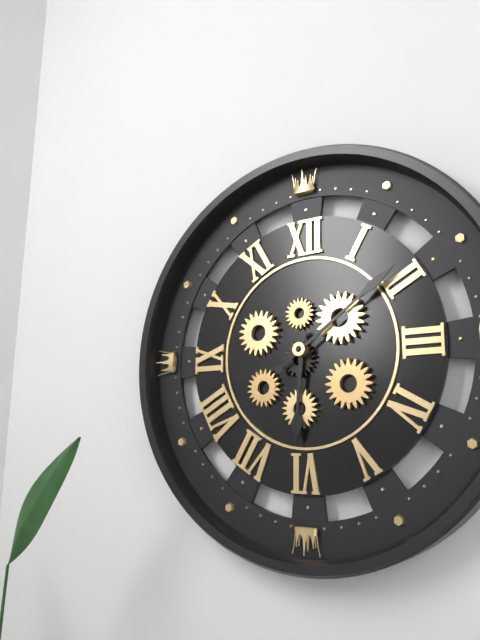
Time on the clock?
6:09
